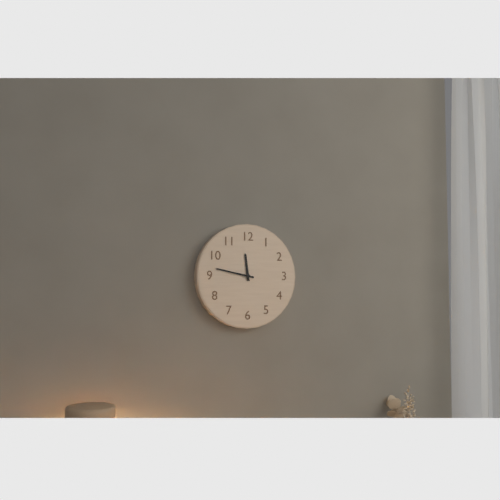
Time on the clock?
11:47
